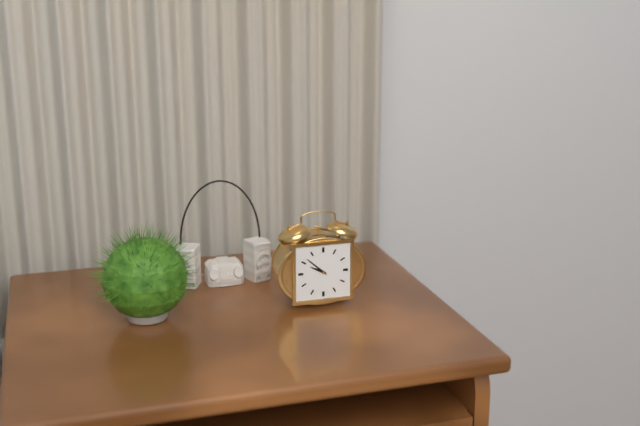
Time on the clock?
9:52
